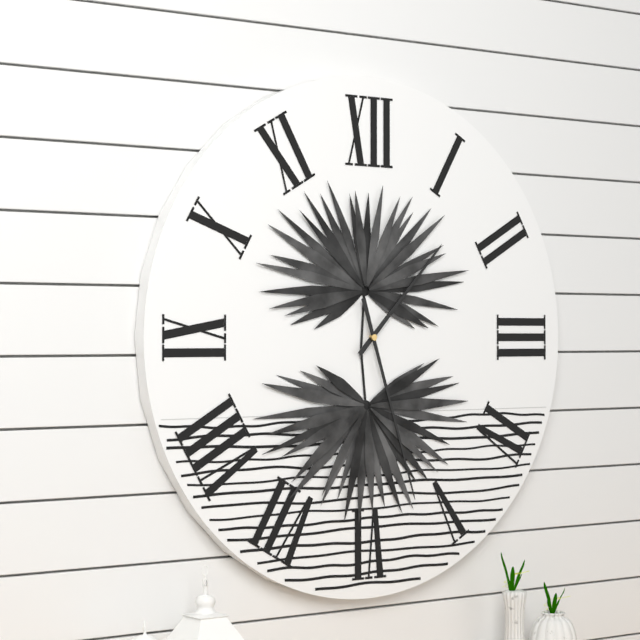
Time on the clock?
1:27
